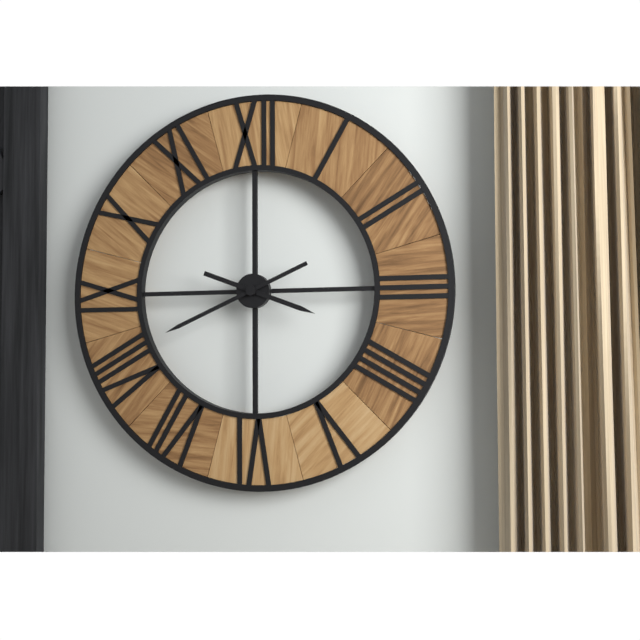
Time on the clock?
3:41
